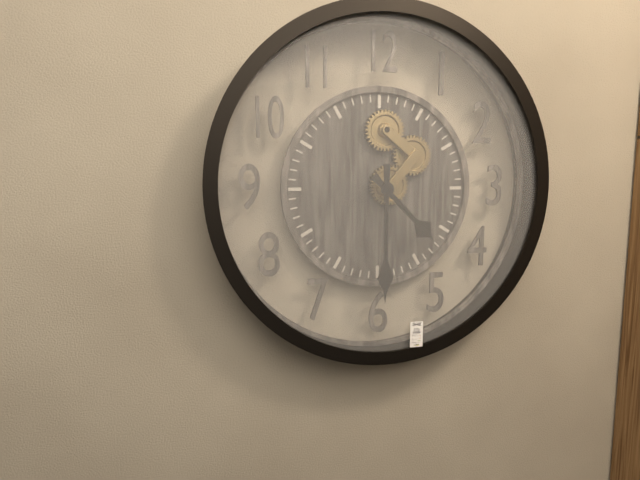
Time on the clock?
4:30
